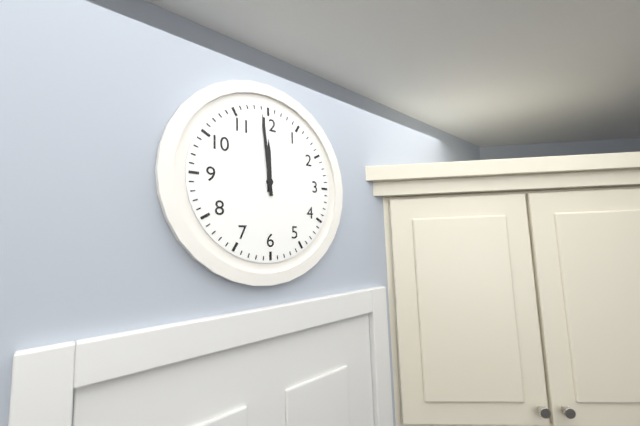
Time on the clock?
11:59
